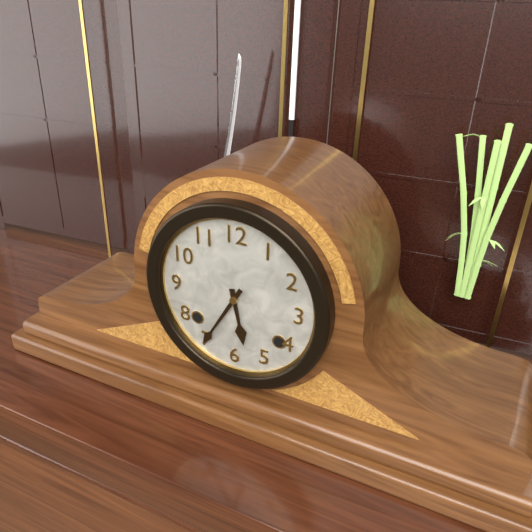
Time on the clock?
5:35
